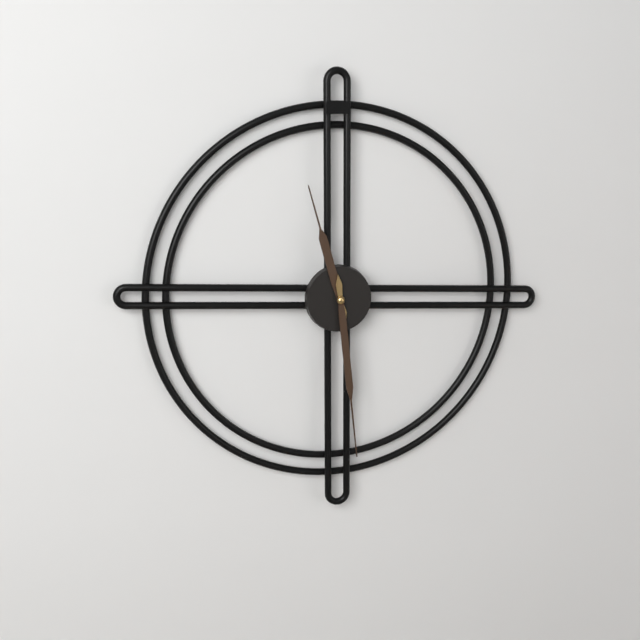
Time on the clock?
11:29
